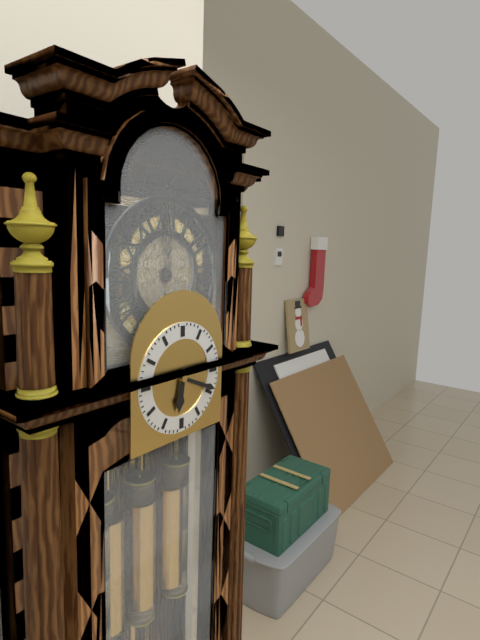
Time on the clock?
6:19
